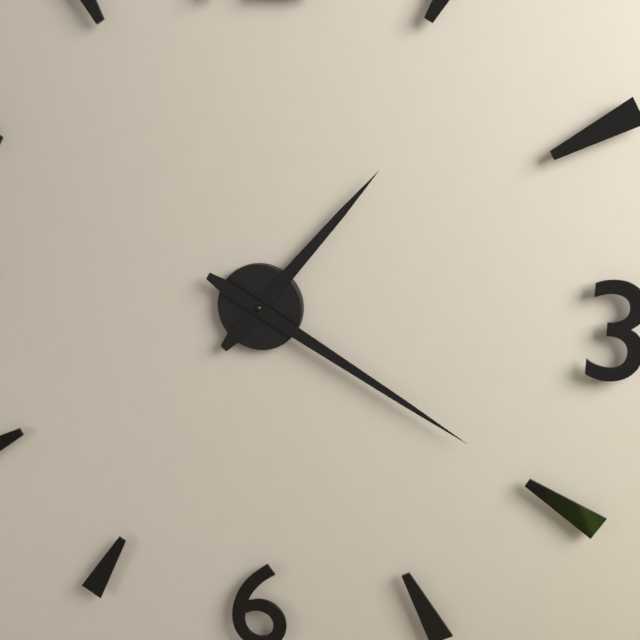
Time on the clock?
1:20
